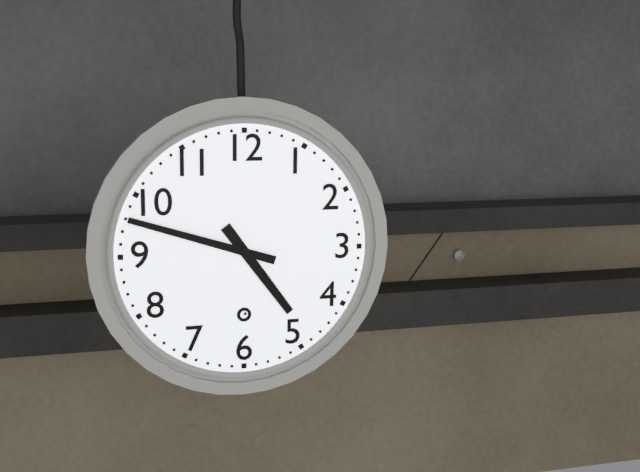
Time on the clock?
4:48
